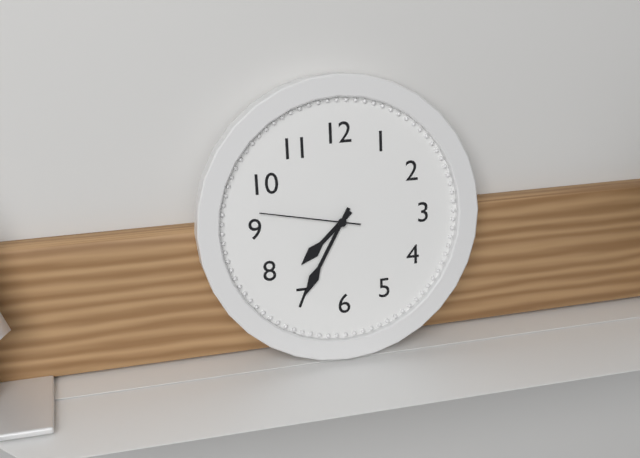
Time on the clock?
7:35:47
